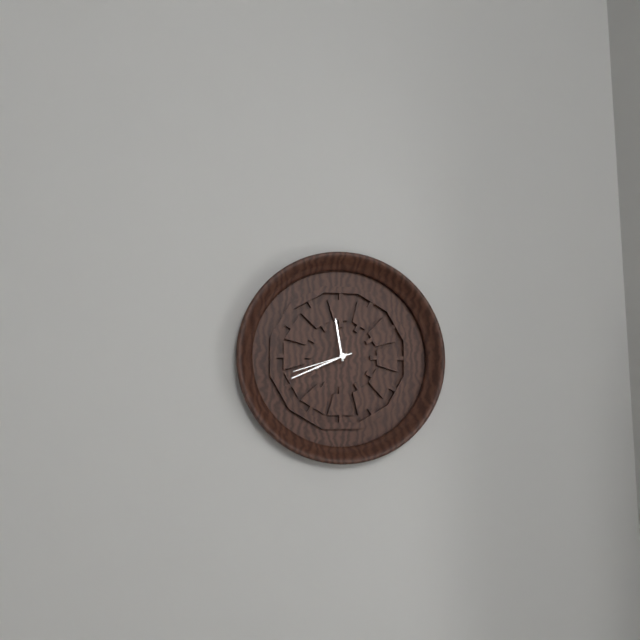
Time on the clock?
11:41:42
